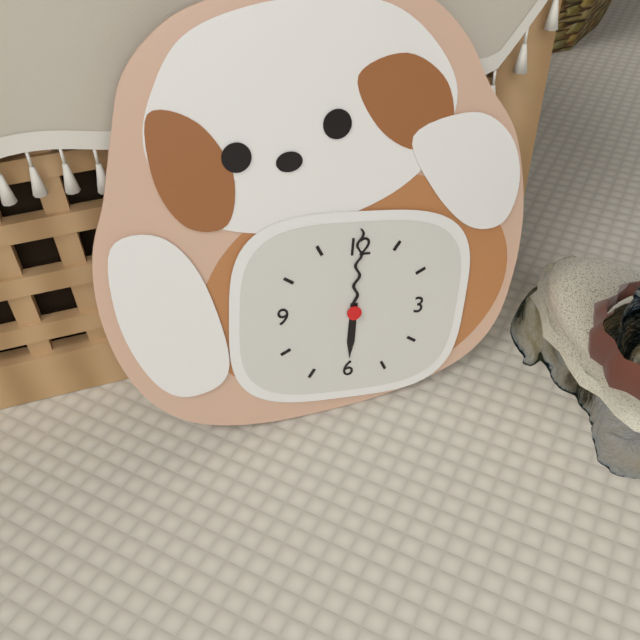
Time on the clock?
6:00
